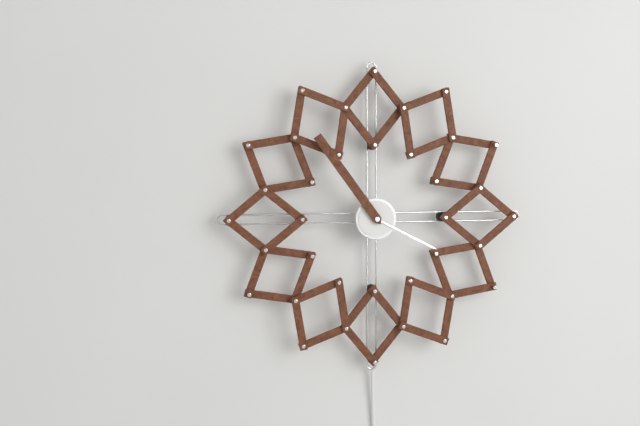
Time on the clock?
3:54
